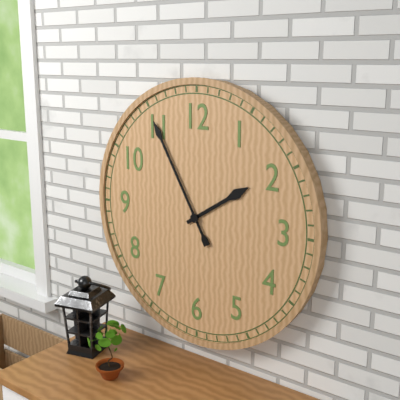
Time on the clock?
1:55
